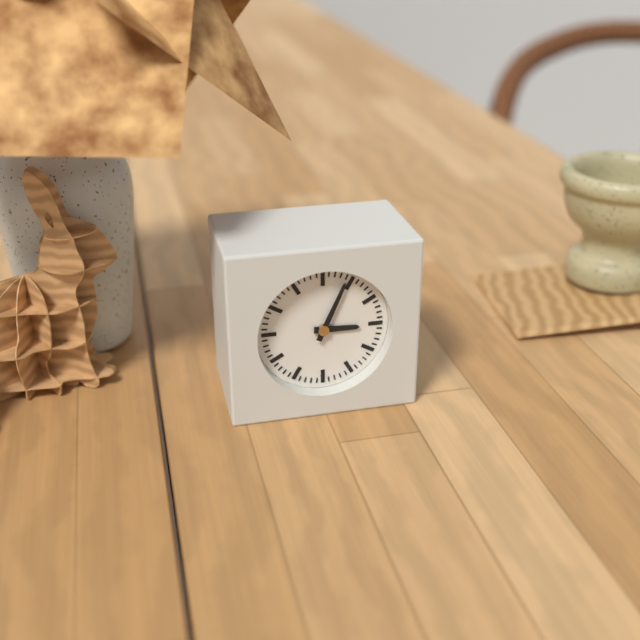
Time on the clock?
3:04
